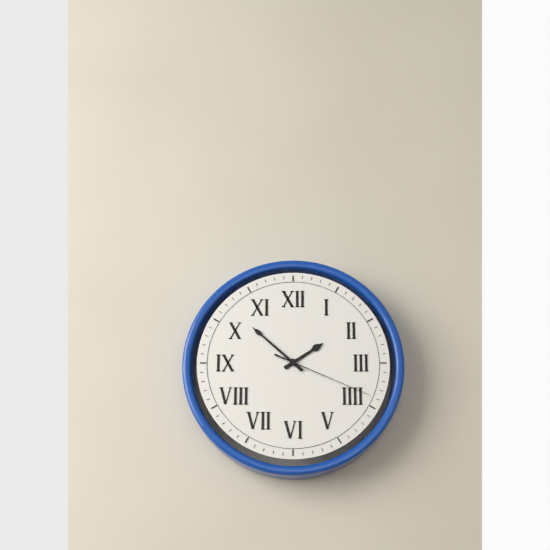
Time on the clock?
1:52:19
